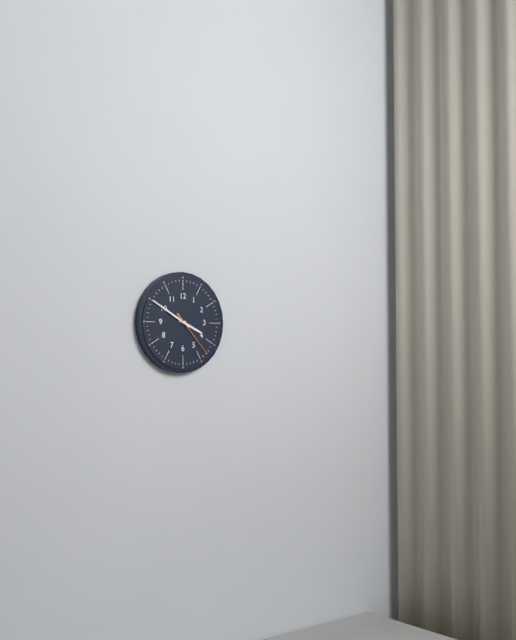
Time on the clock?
3:50:23
